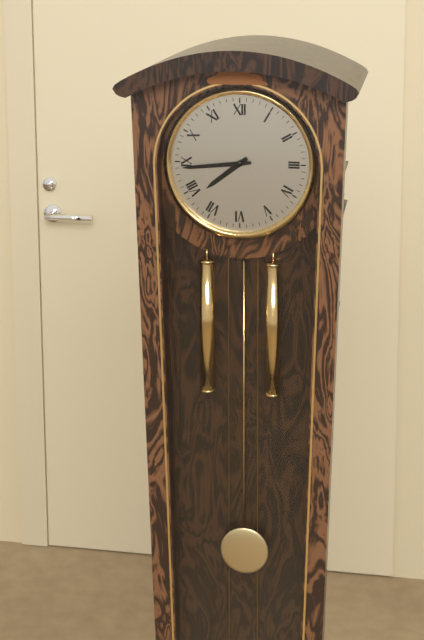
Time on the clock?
7:44
